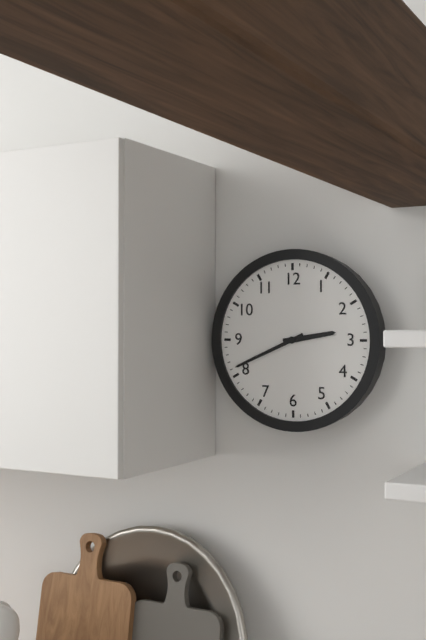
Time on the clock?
2:41
